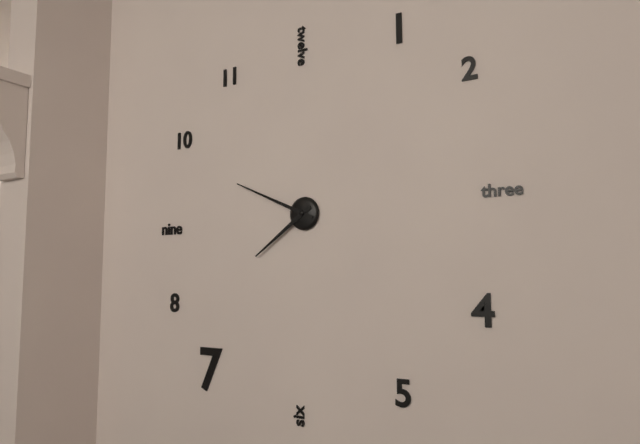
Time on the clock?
7:49
